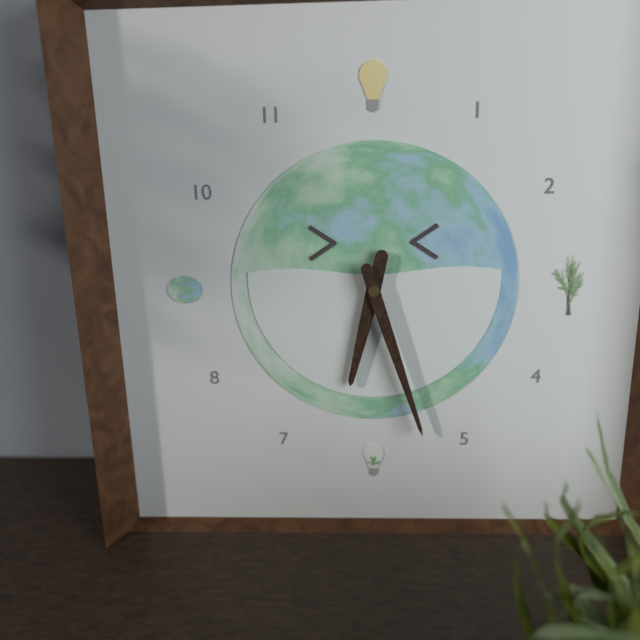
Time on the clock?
6:27
